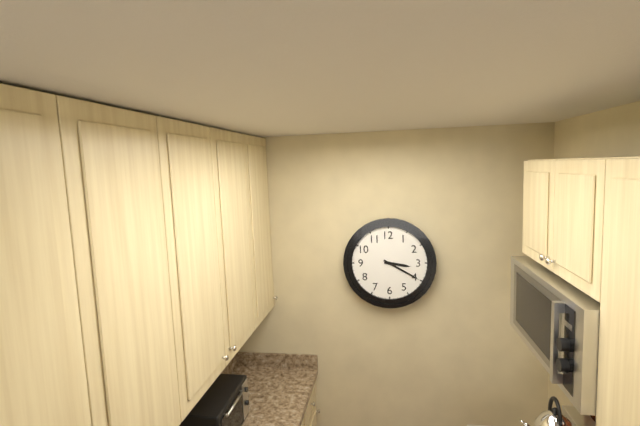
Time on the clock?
3:20
